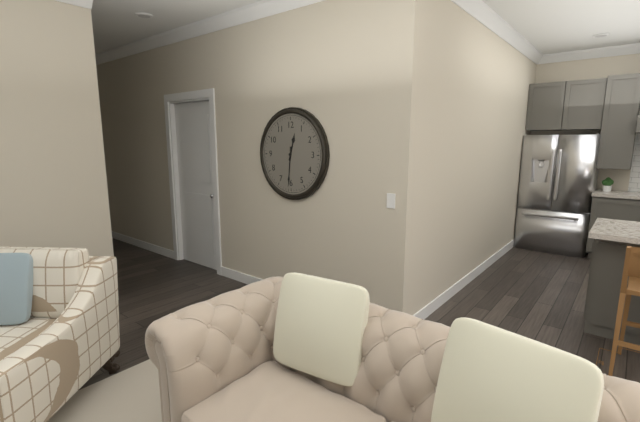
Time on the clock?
12:31
